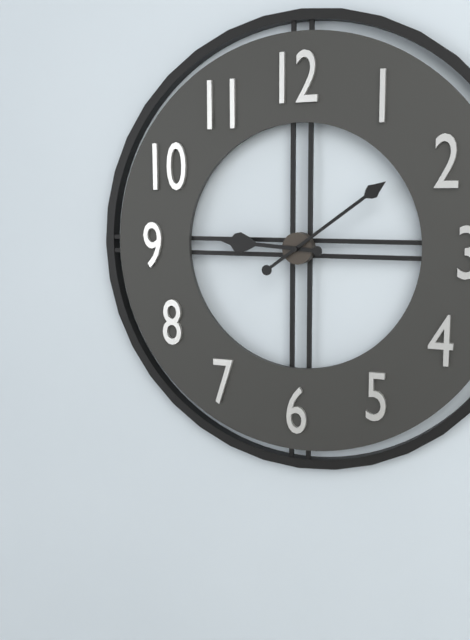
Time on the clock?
9:09
